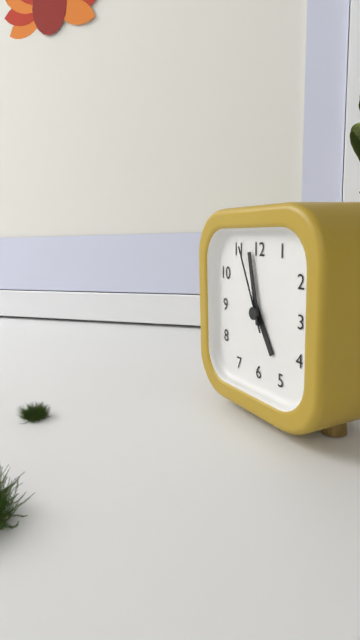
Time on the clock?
4:58:56
